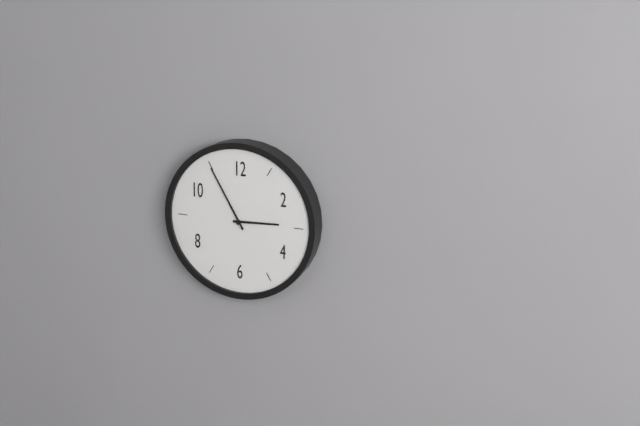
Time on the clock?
2:55
